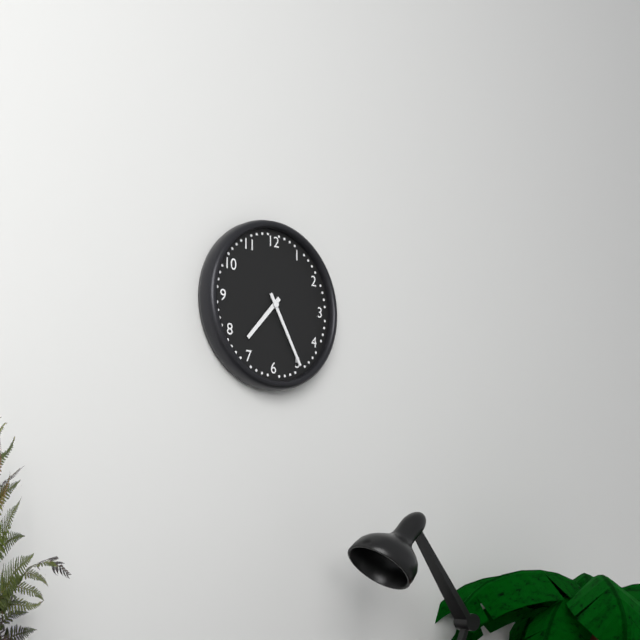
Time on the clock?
7:25
